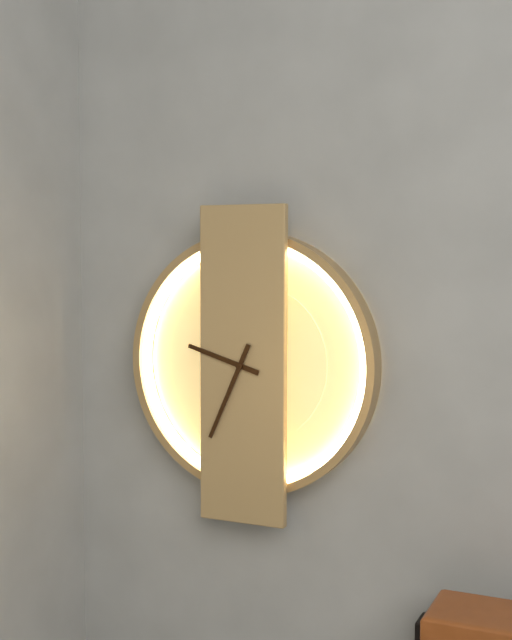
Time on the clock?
9:34
